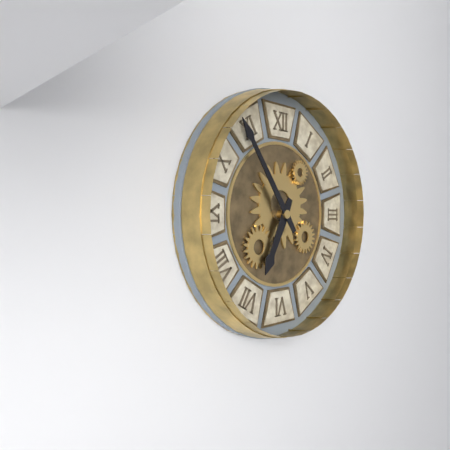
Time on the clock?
6:54
